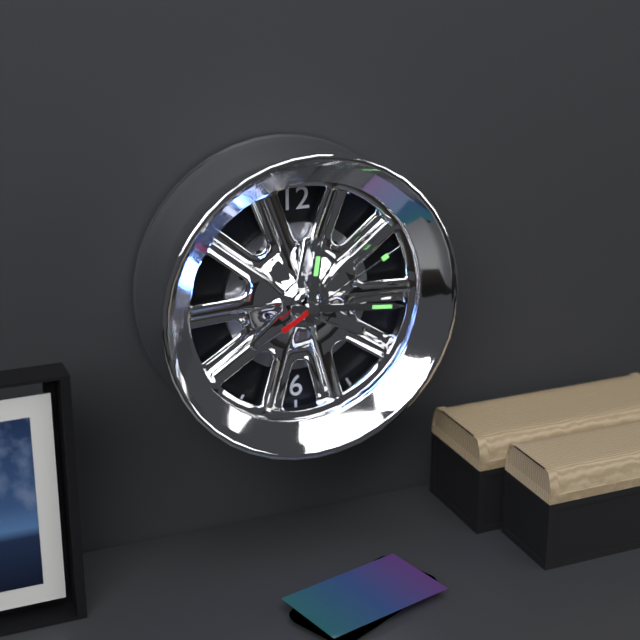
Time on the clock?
12:16:10
